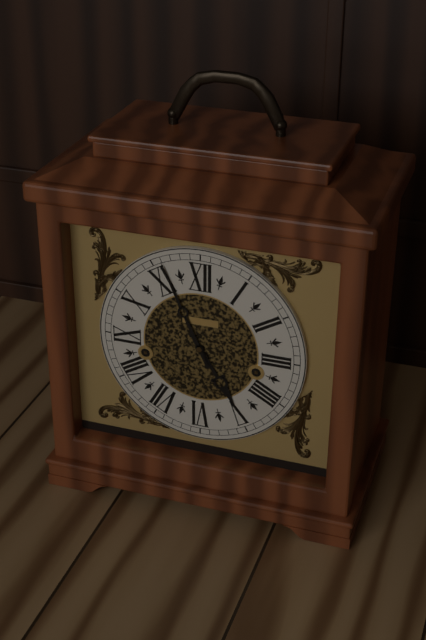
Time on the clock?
4:56
